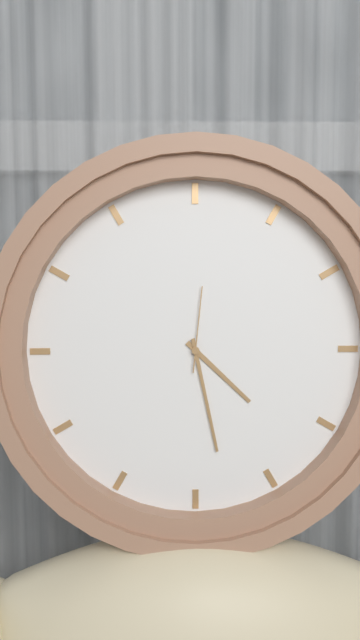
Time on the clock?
4:28:01
